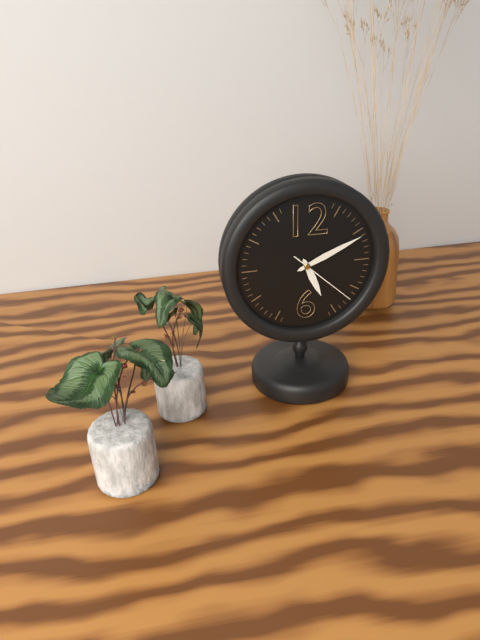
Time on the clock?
5:11:22
